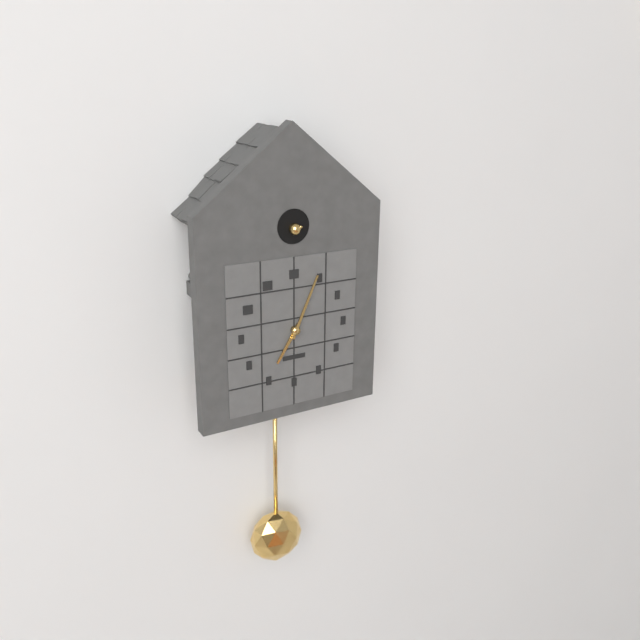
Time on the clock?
7:04
